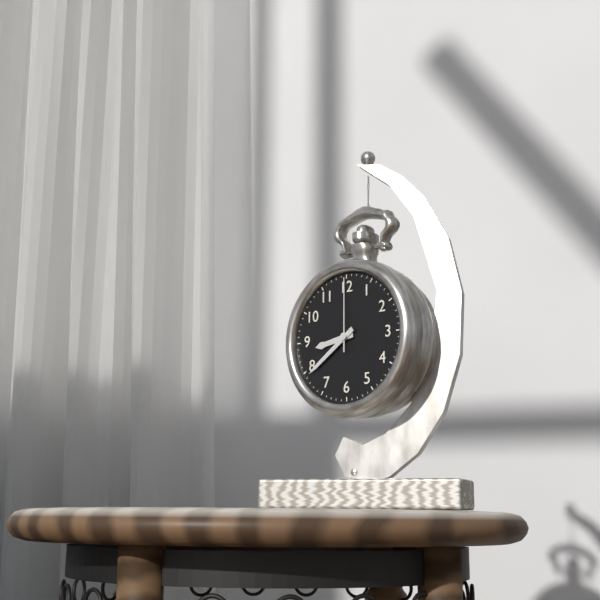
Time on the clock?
8:39:00
